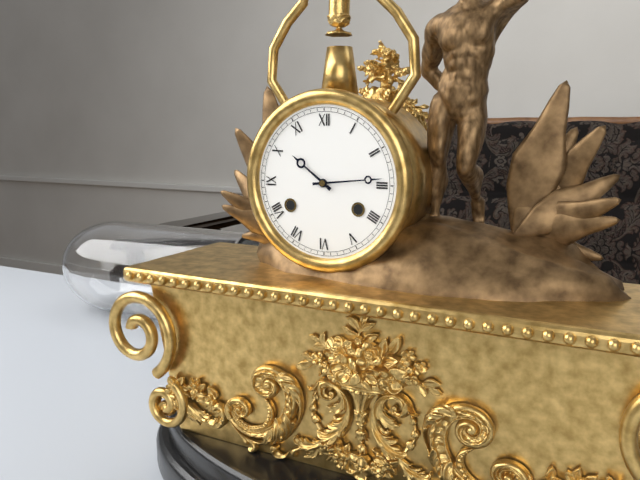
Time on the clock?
10:14
